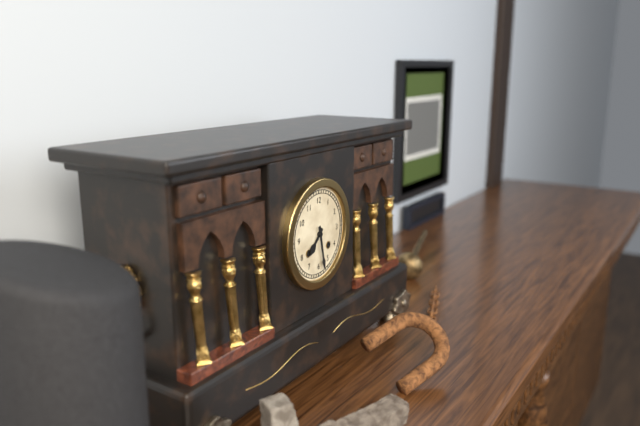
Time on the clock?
7:28
